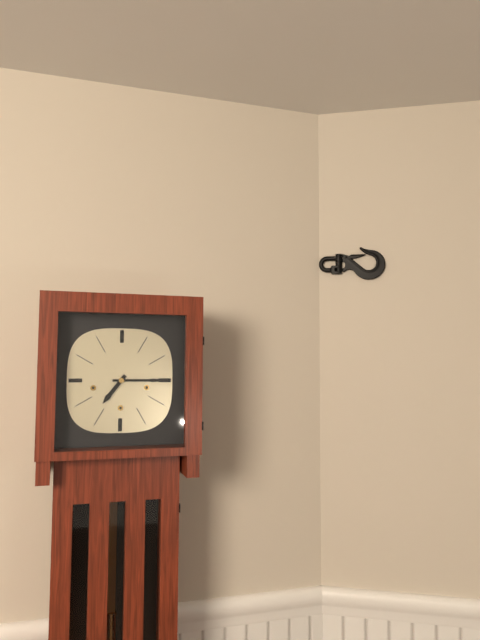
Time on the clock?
7:15
